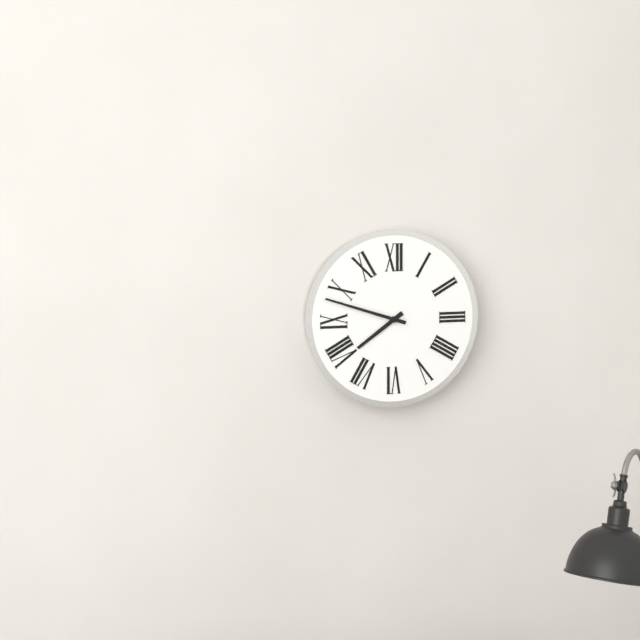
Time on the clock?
7:48
